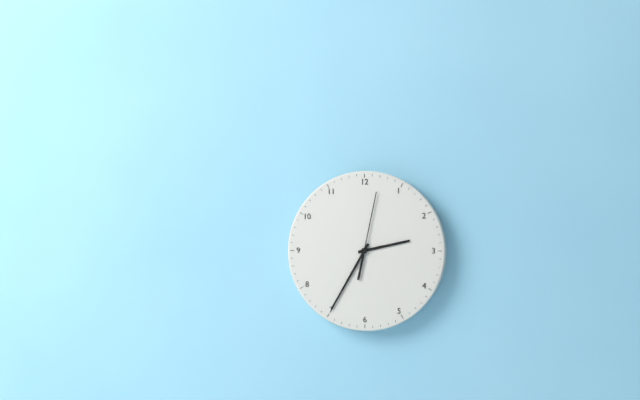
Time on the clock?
2:35:02
